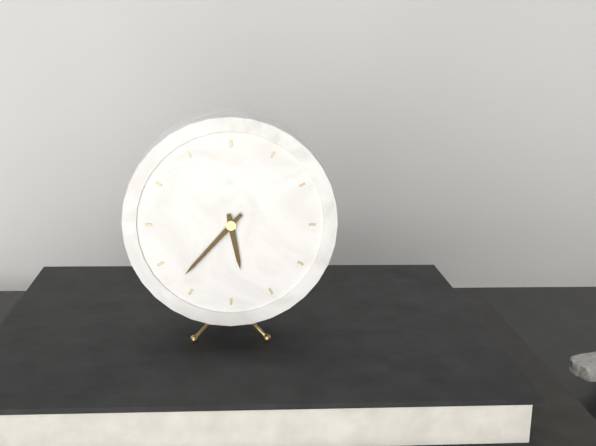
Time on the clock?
5:37
